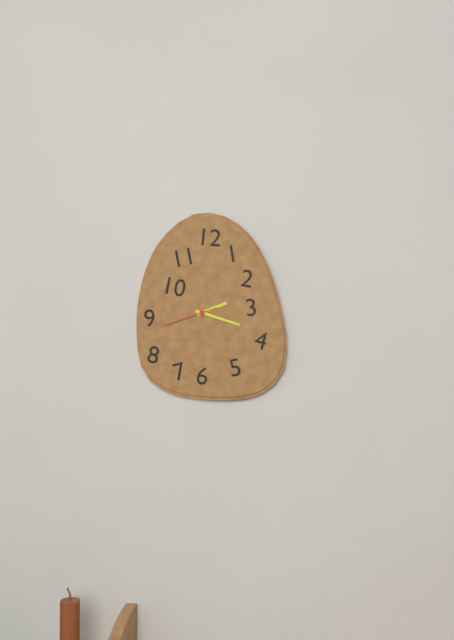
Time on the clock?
2:18:42
